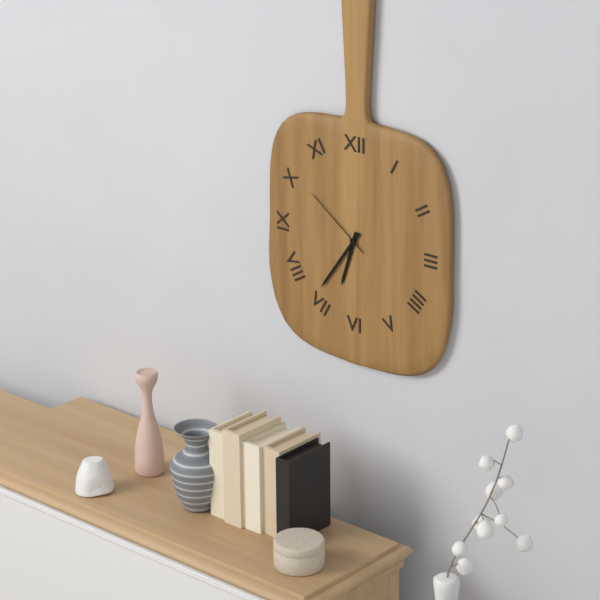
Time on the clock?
6:36:51
